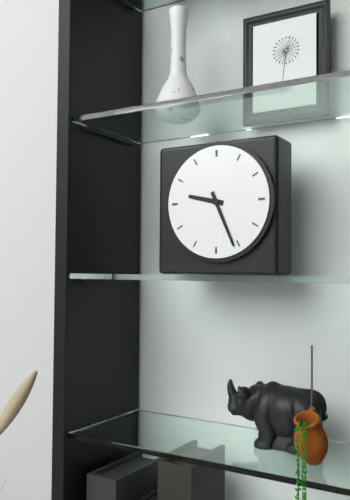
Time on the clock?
9:26
